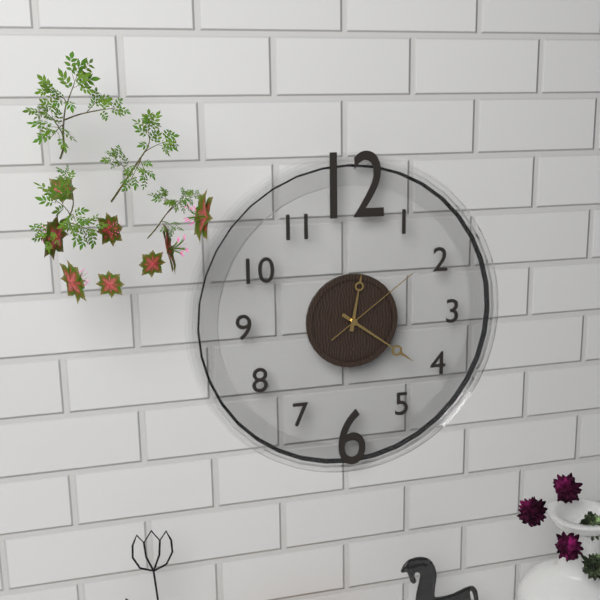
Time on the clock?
12:21:09
